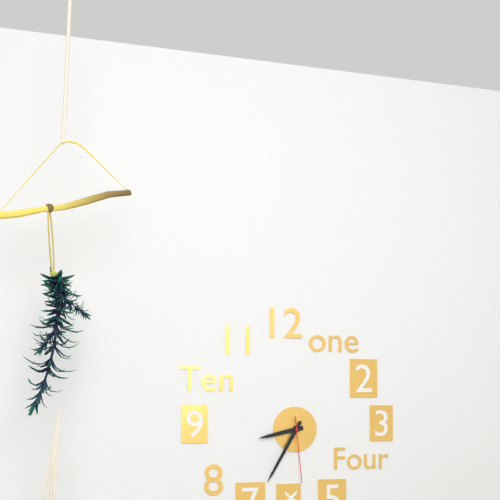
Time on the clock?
8:35:29
